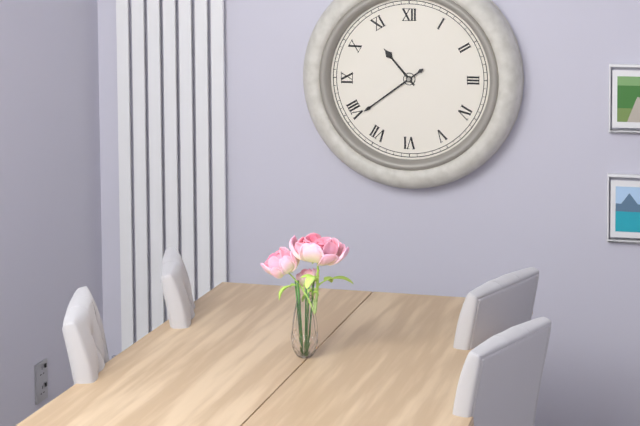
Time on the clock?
10:39
